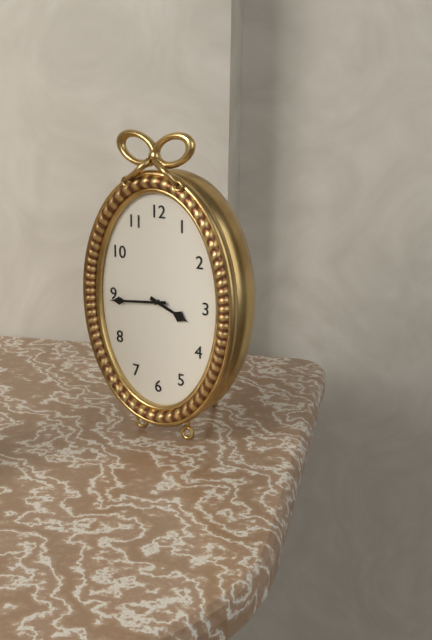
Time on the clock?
3:44
